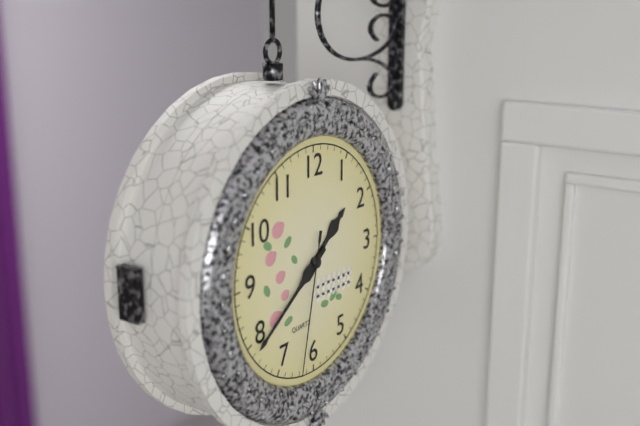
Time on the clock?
1:39:32
